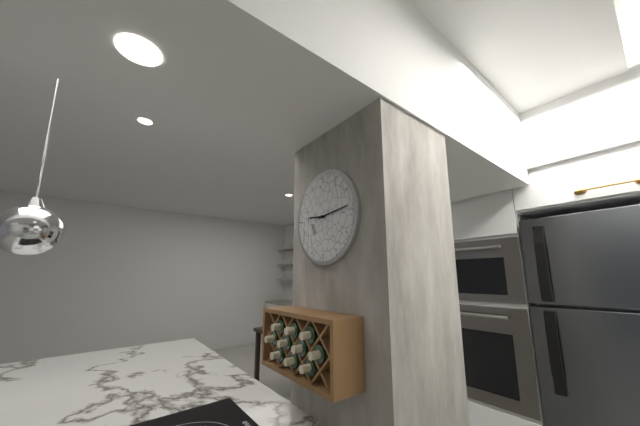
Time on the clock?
9:14
